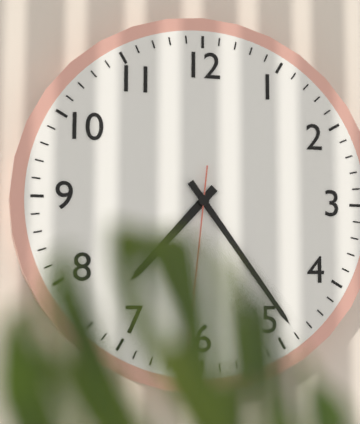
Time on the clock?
7:24:31
